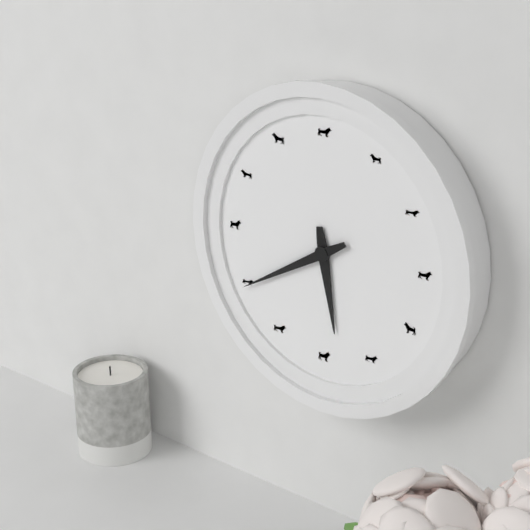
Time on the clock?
5:40
